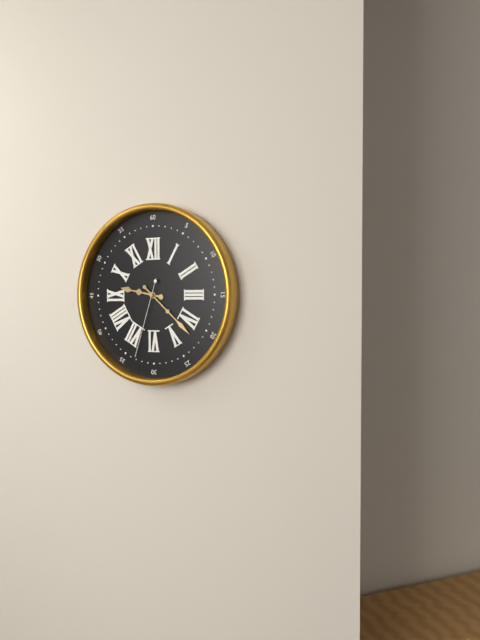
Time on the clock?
9:22:33
